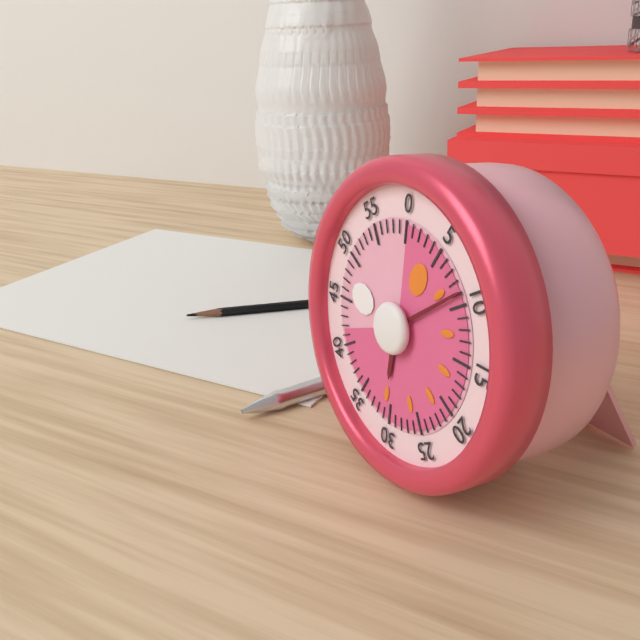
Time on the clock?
6:09
